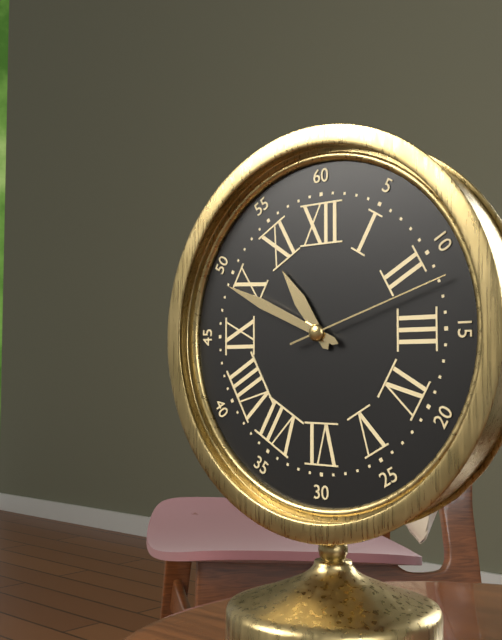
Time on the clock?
10:49:12
